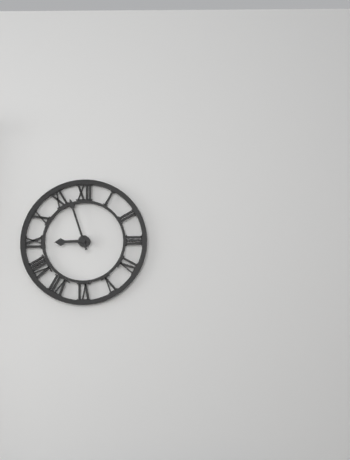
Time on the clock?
8:57
